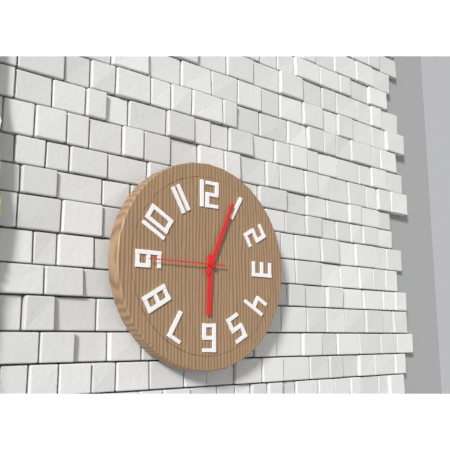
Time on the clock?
6:04:45
